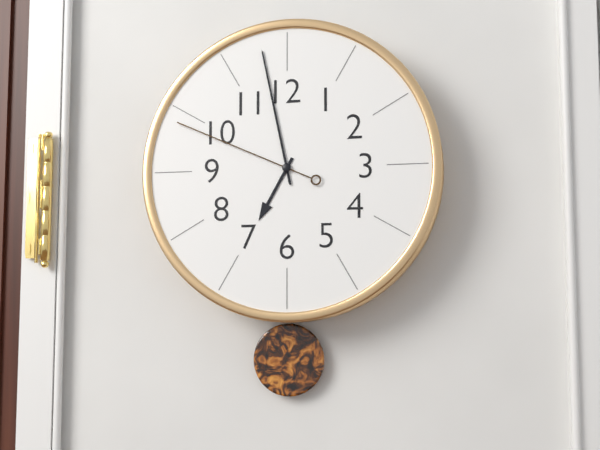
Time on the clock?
6:58:49
